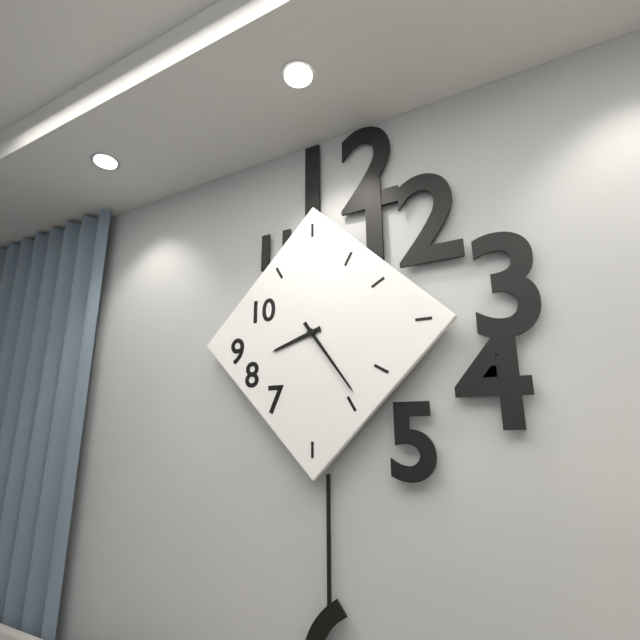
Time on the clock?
8:24
